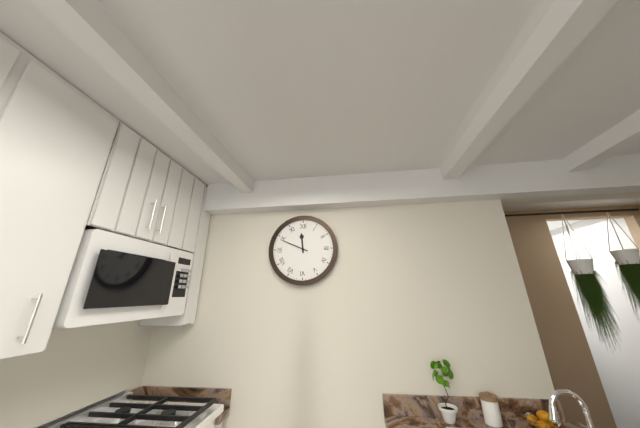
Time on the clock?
11:49
